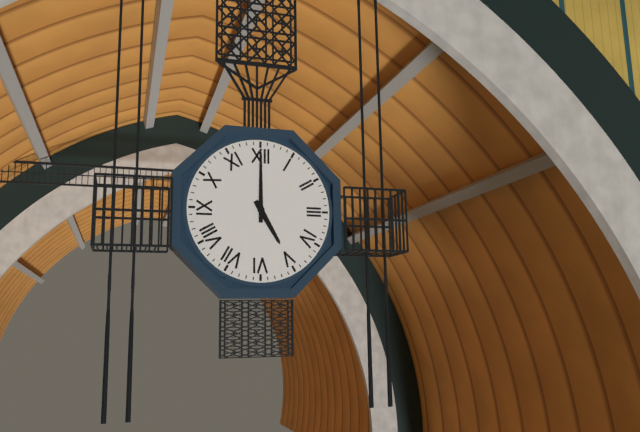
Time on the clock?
5:00
